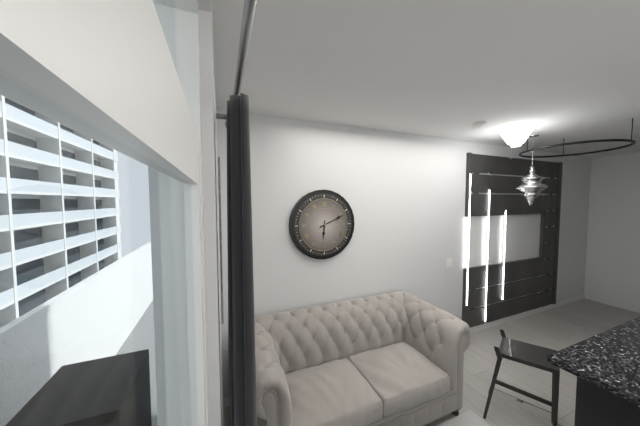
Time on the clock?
6:11
